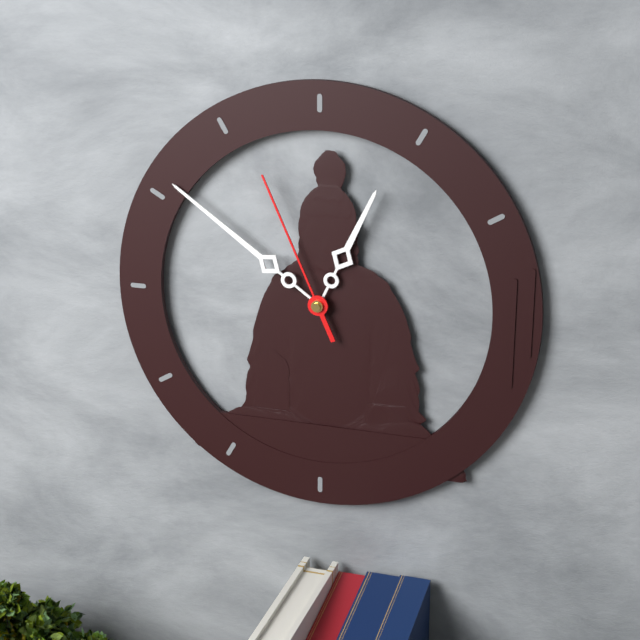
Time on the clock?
12:51:56
